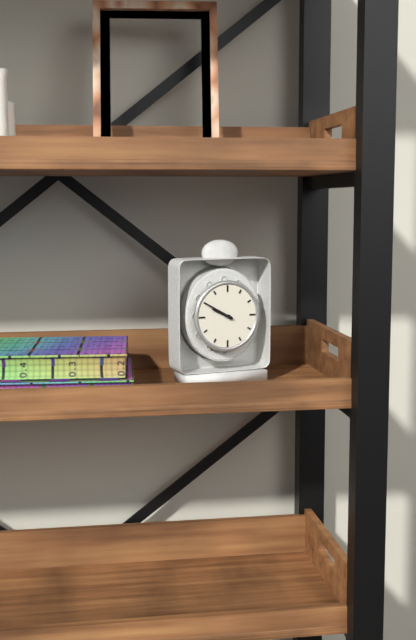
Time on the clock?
9:50
